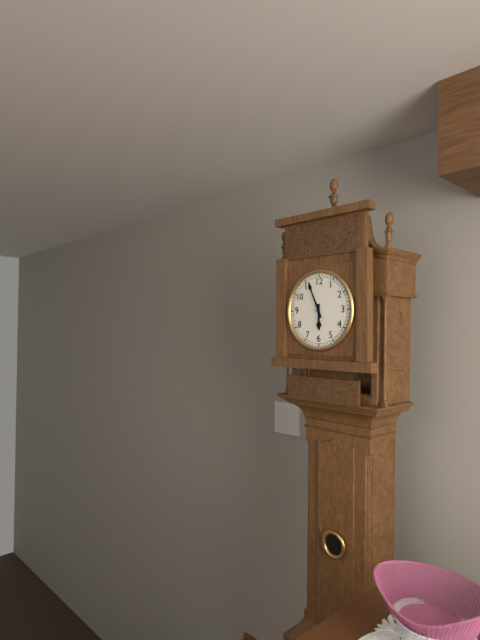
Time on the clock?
5:56
